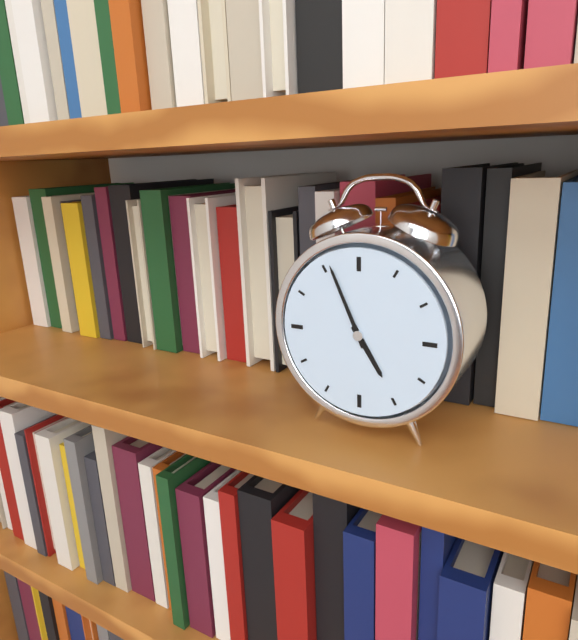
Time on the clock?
4:56
